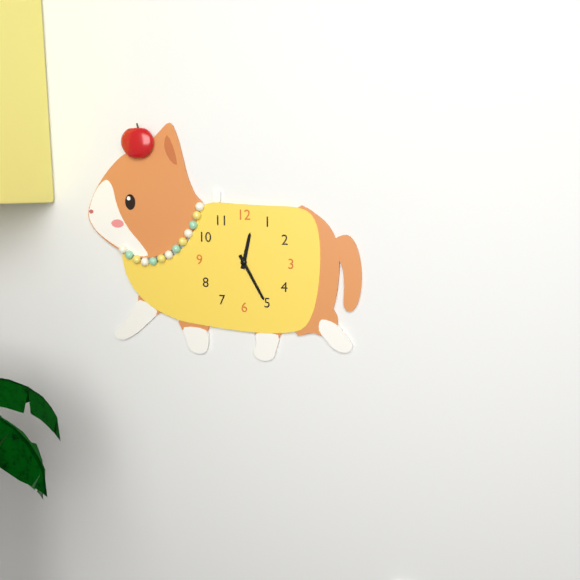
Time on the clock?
12:25
